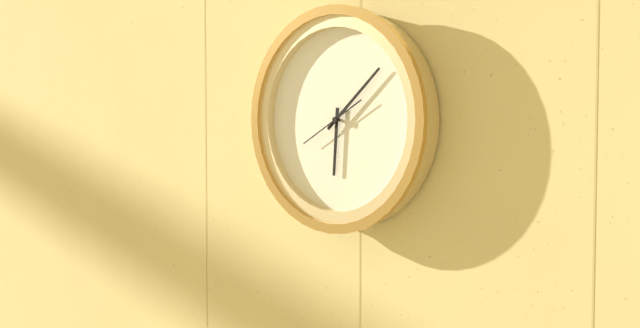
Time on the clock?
6:08:40
